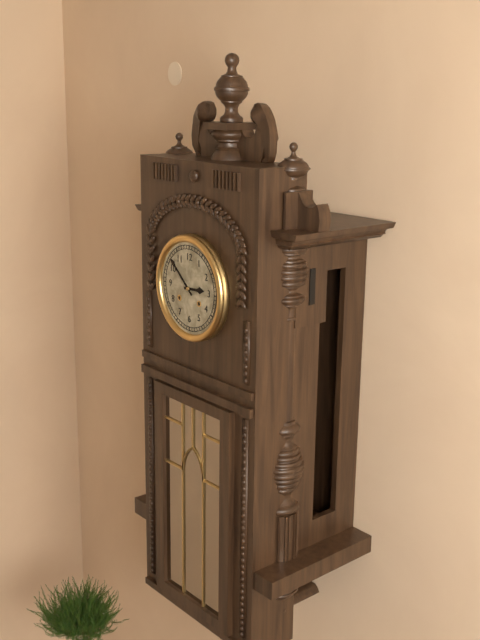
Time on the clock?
2:52
